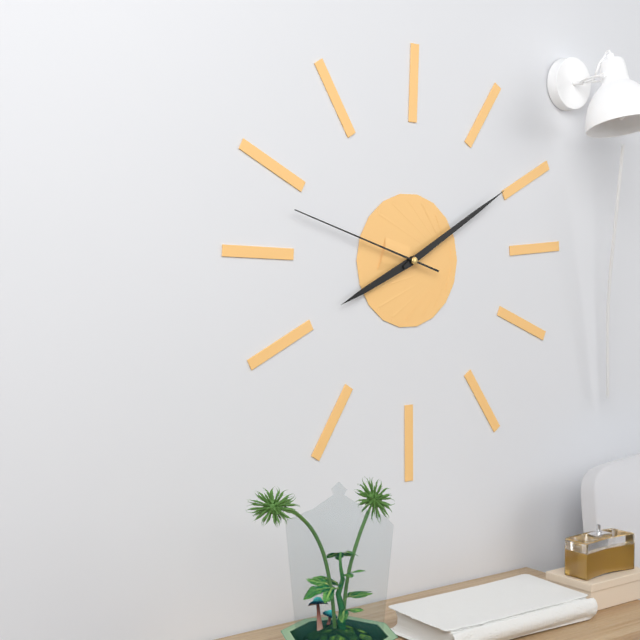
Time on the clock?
8:10:48
